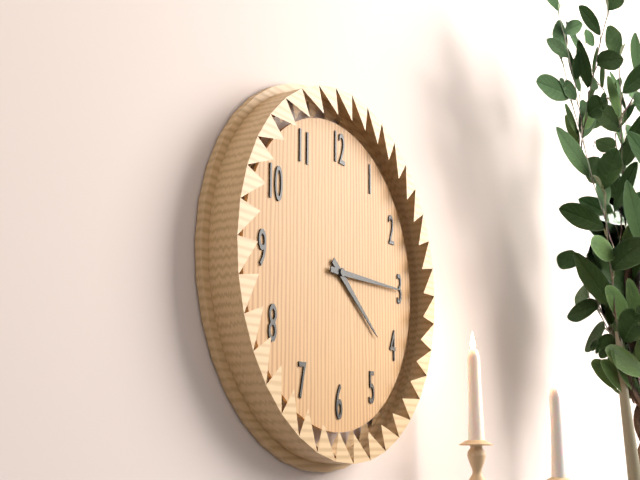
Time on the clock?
4:15
